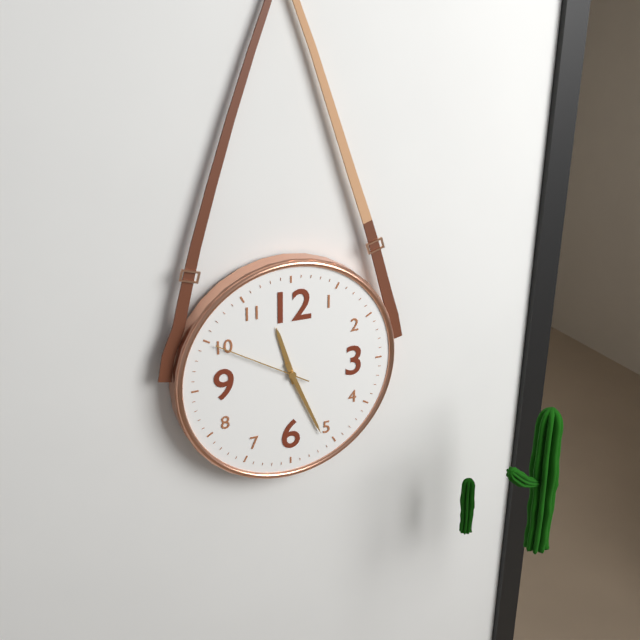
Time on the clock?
11:26:50
